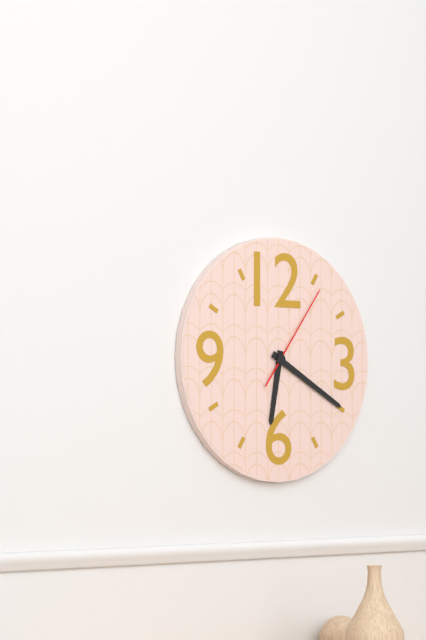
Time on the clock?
6:20:06
